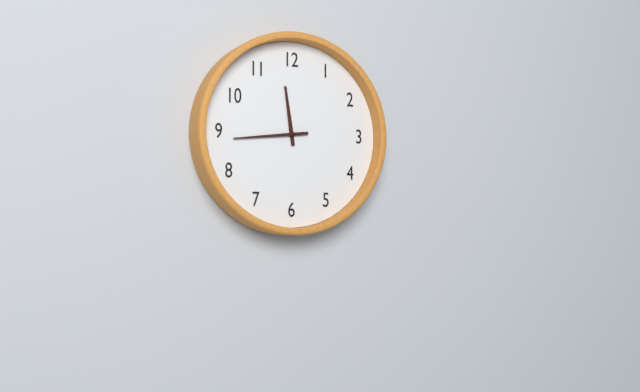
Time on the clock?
11:44
